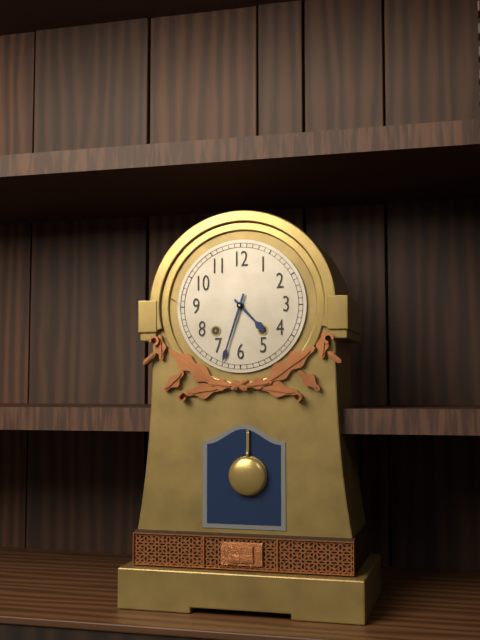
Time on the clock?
4:33
